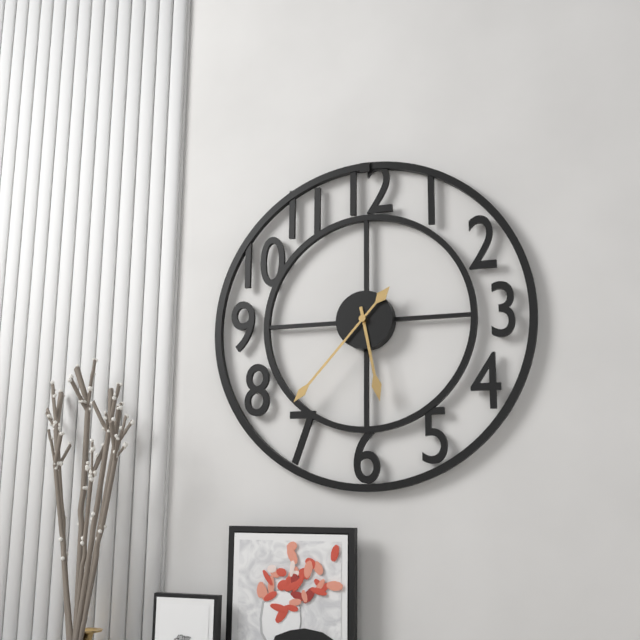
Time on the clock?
5:37
